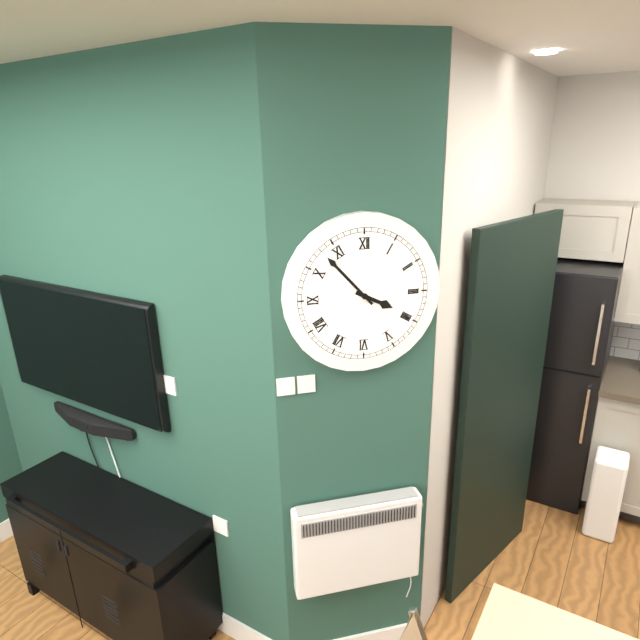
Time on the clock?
3:53
